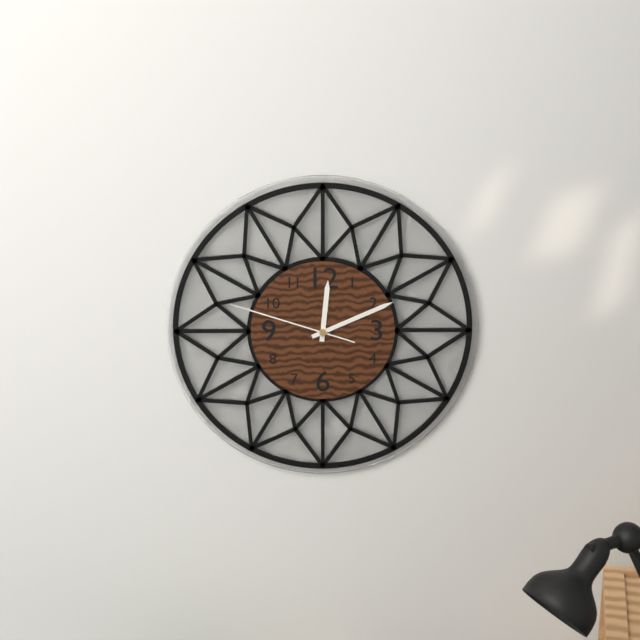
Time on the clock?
12:11:48
